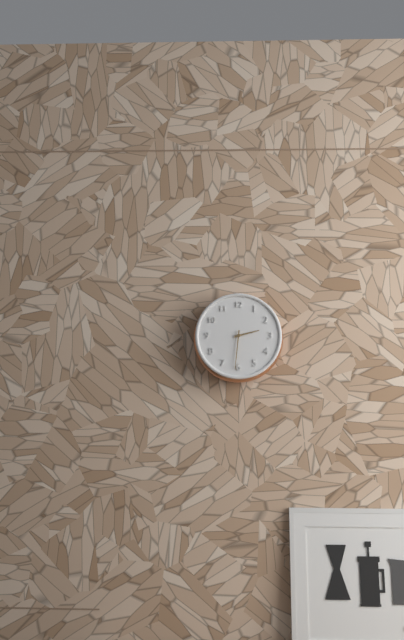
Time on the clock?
2:31
